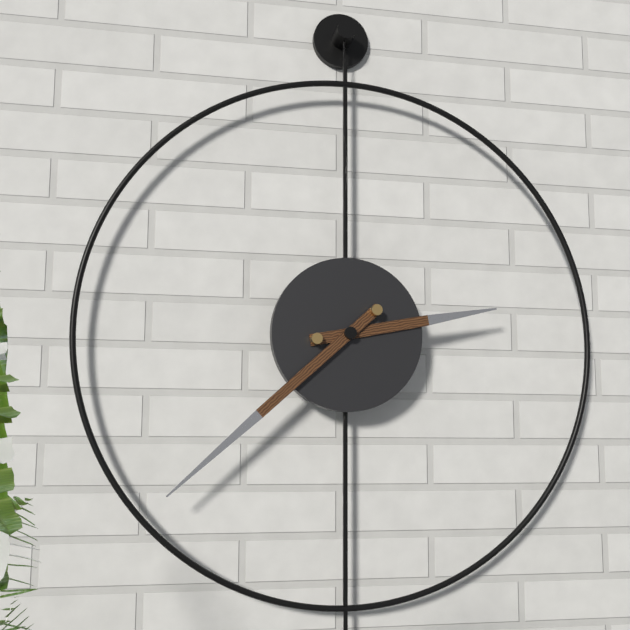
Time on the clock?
2:38
